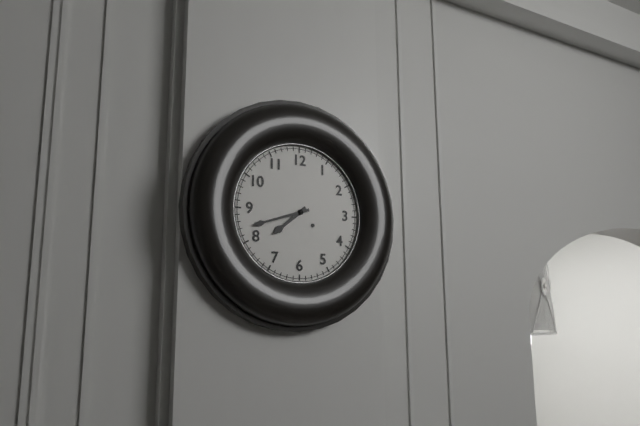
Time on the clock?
7:42
